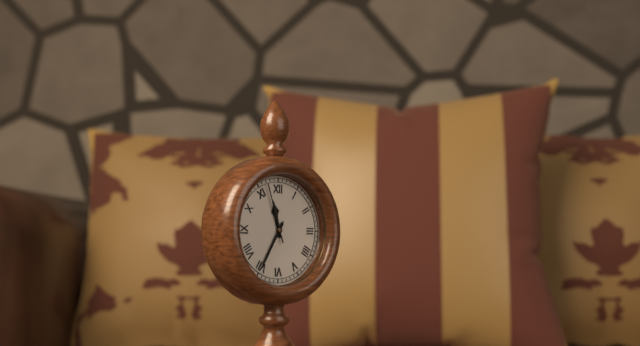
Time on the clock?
11:35:57
